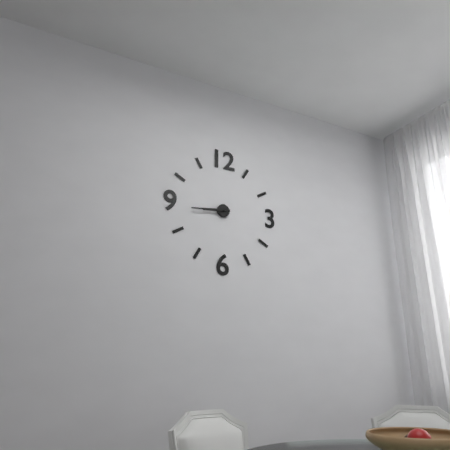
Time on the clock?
8:44
